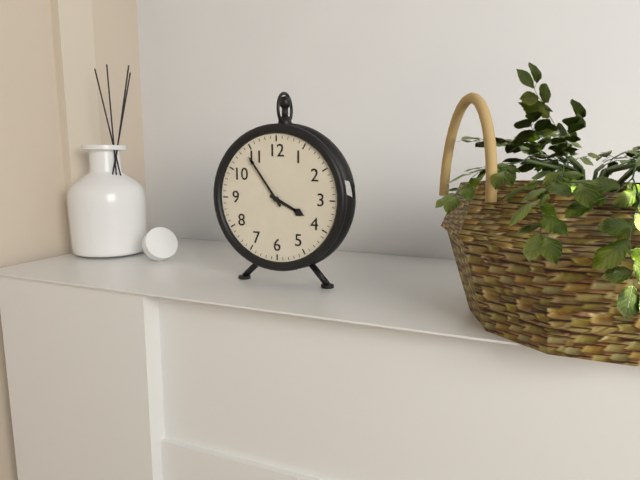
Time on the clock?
3:54
